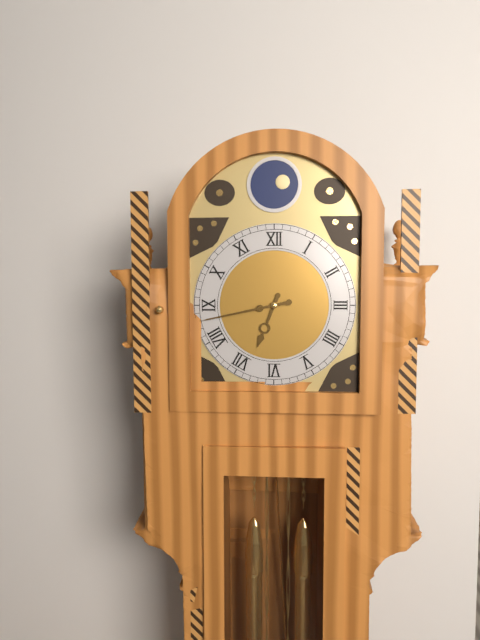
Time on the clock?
6:43
